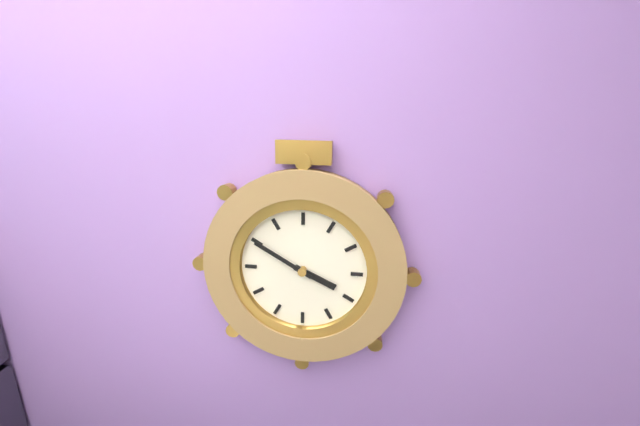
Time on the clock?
3:50
